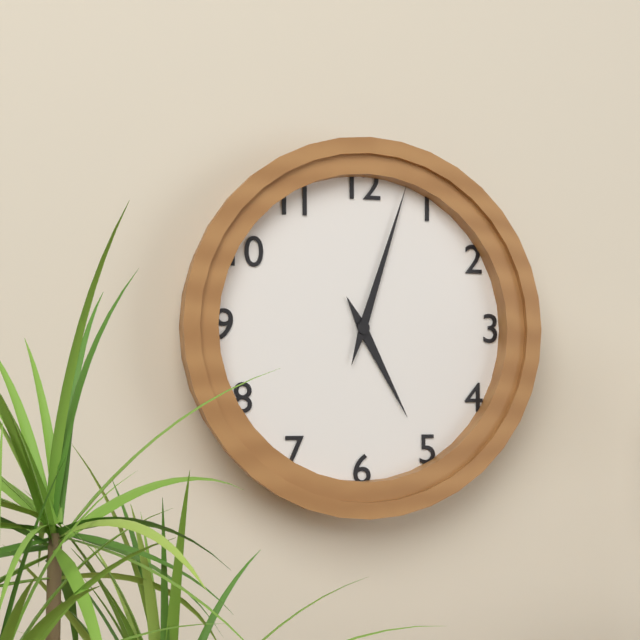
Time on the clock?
5:03
